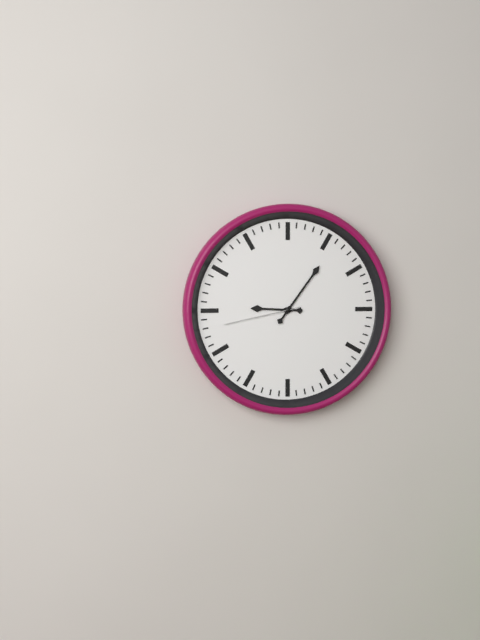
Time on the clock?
9:06:43
